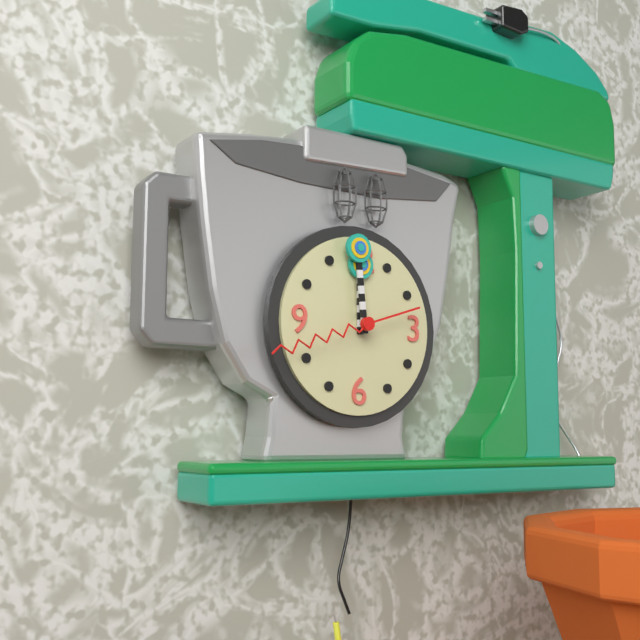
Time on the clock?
11:59:42
